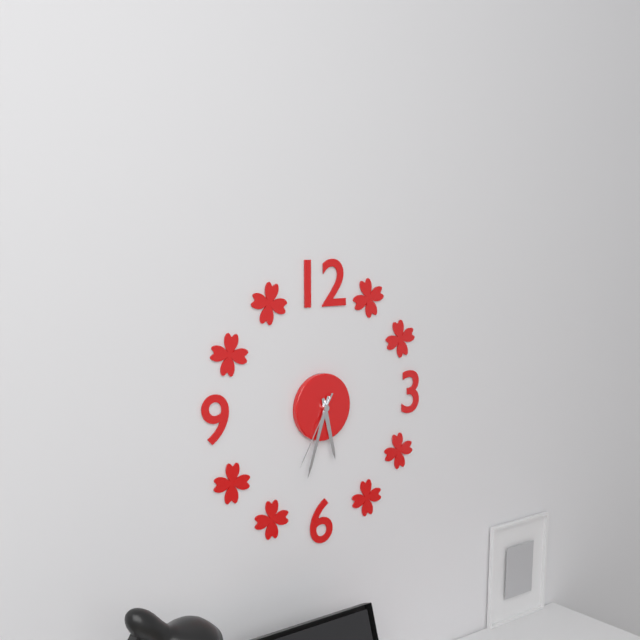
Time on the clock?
5:33:35
